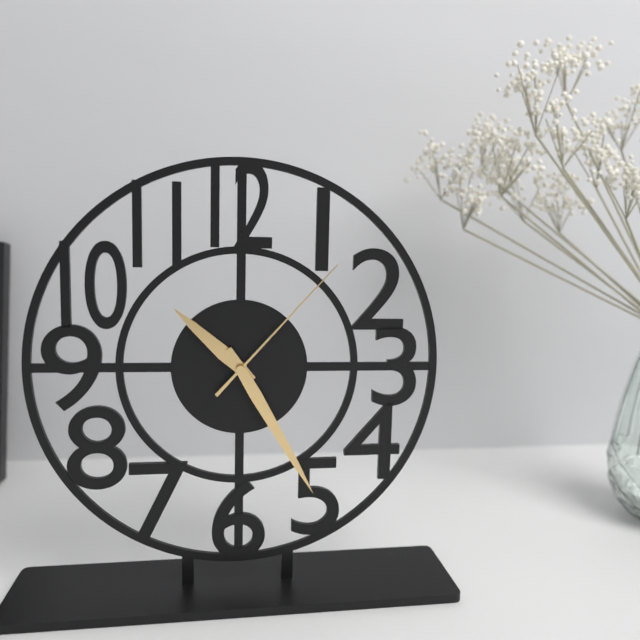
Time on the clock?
10:25:07
